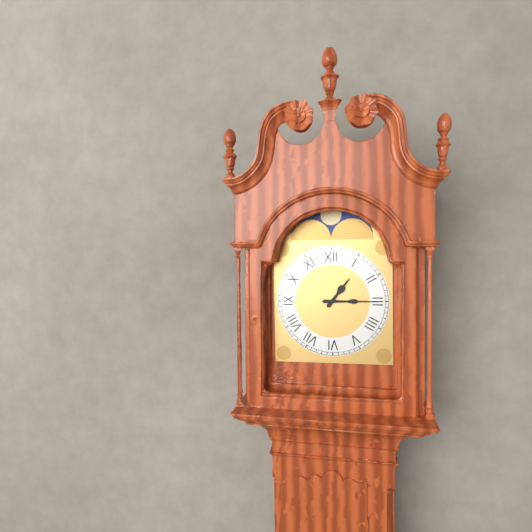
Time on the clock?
1:15
